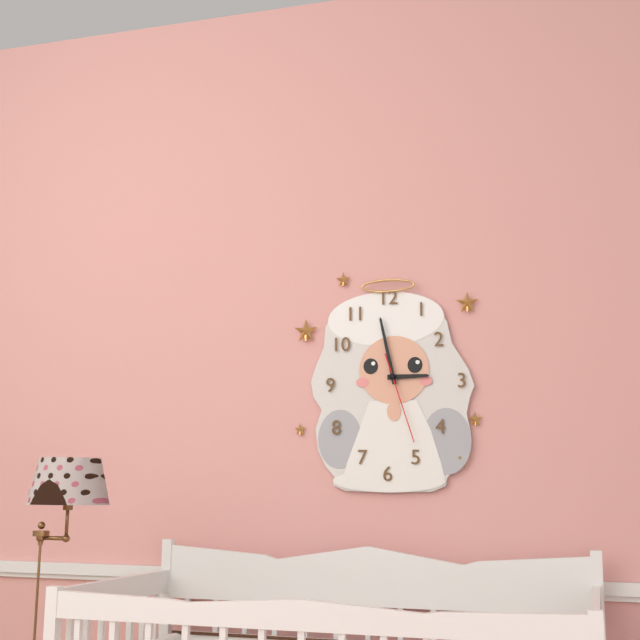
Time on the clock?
2:58:27
